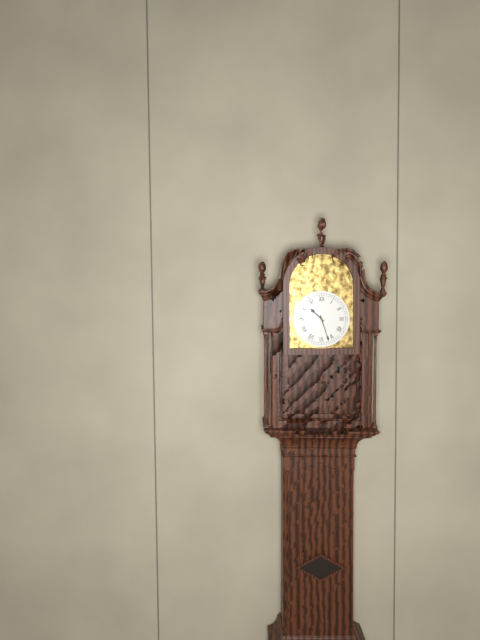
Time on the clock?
10:27
